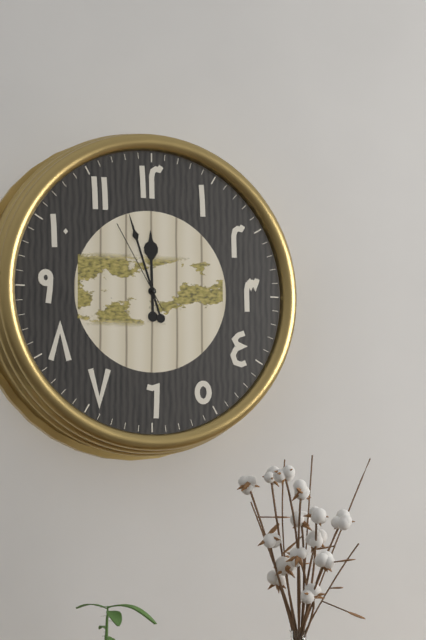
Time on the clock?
11:57:55
